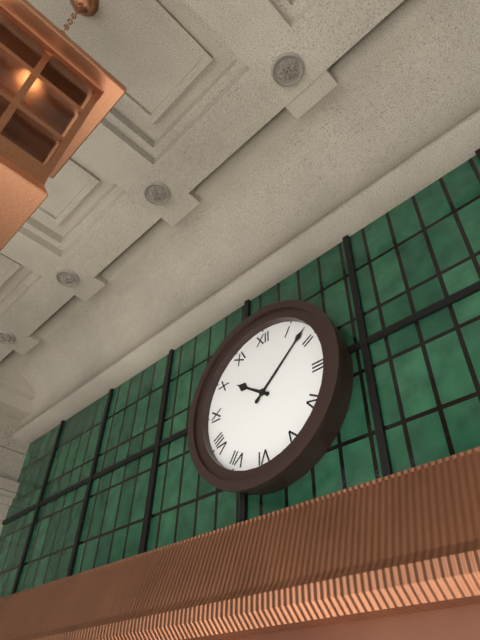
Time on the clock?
10:08
